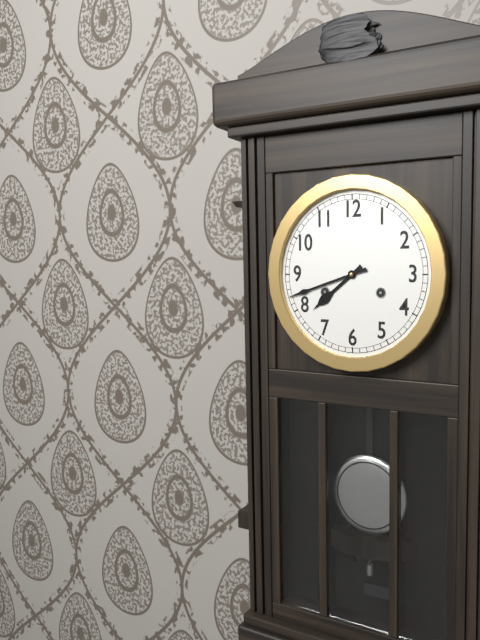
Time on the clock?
7:42
